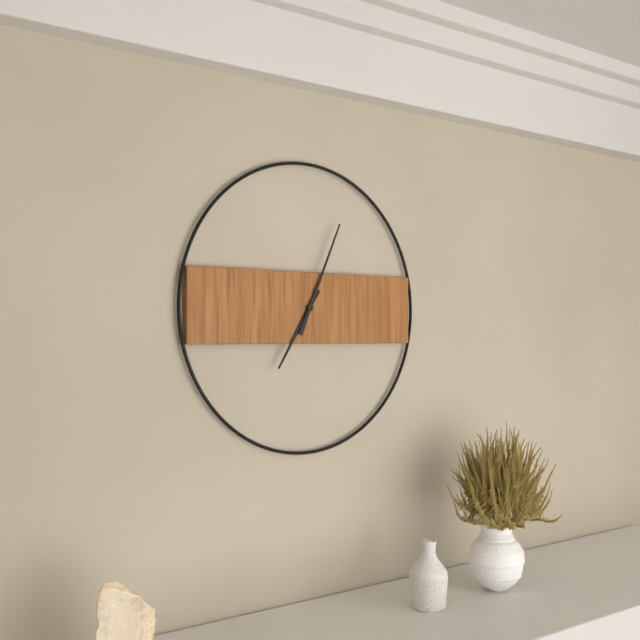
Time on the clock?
7:04
